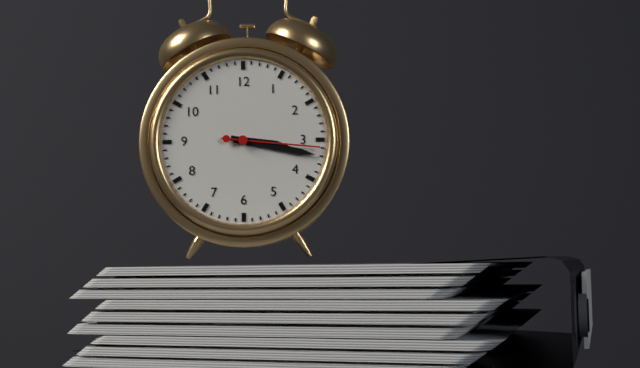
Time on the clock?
3:17:16
